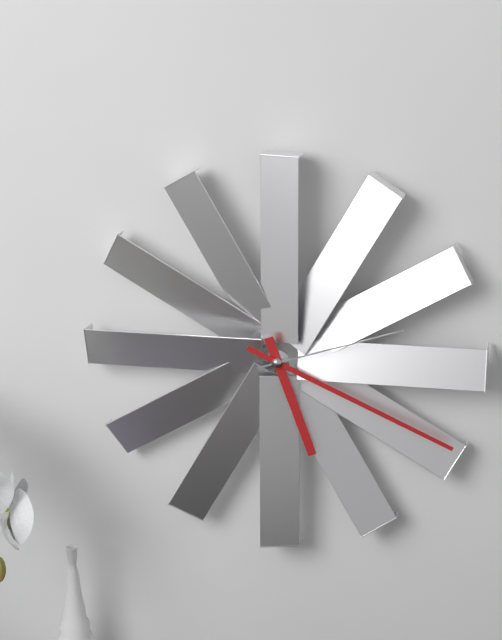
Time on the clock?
5:19:12
